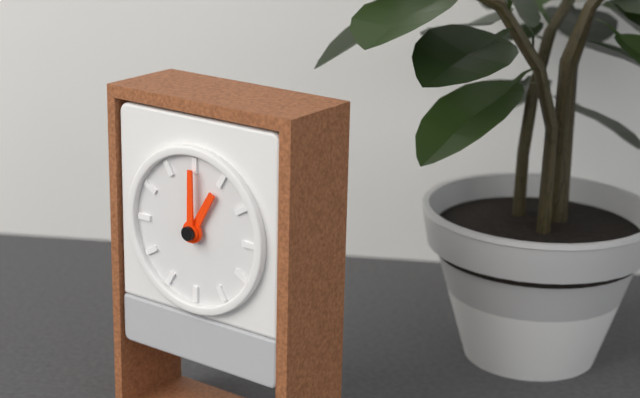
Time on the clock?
1:00
